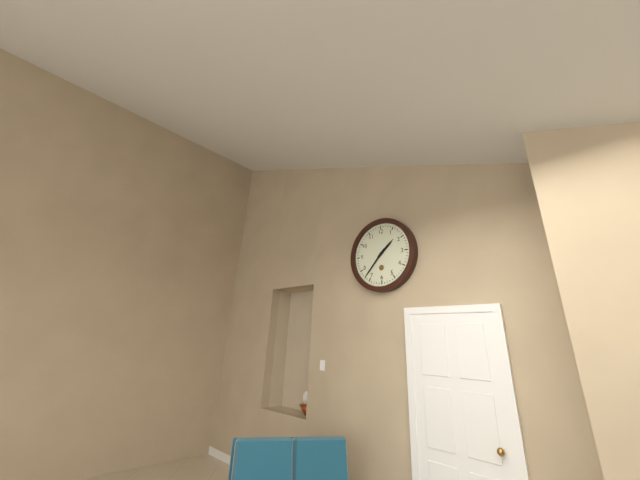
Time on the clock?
1:37
